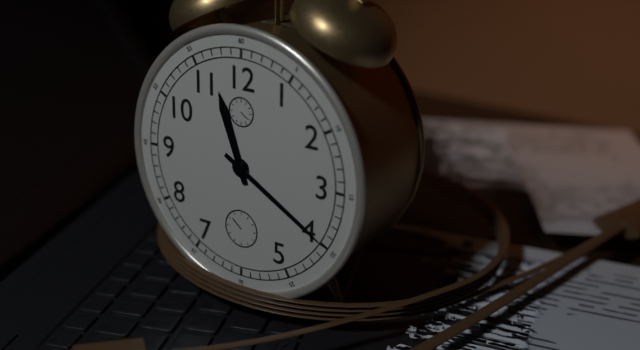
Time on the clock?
11:20
